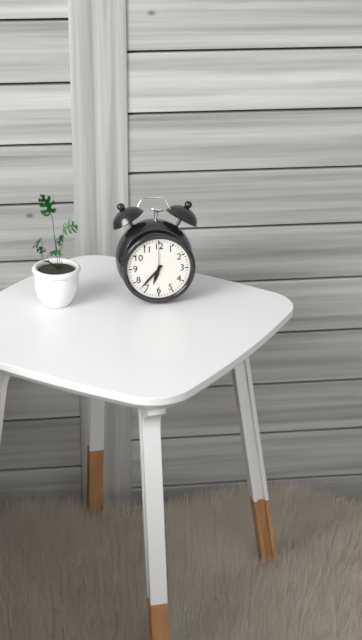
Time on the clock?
6:37
